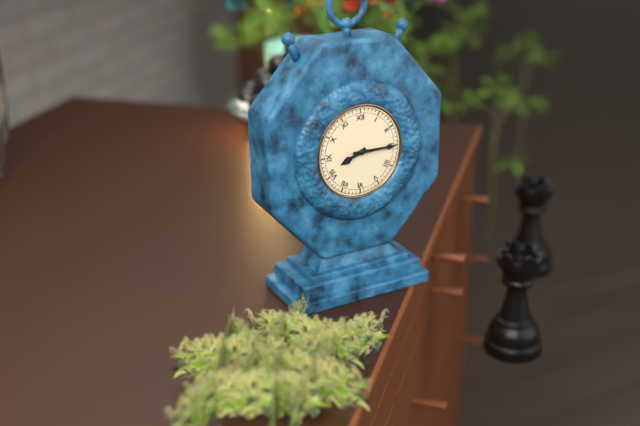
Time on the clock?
8:15
